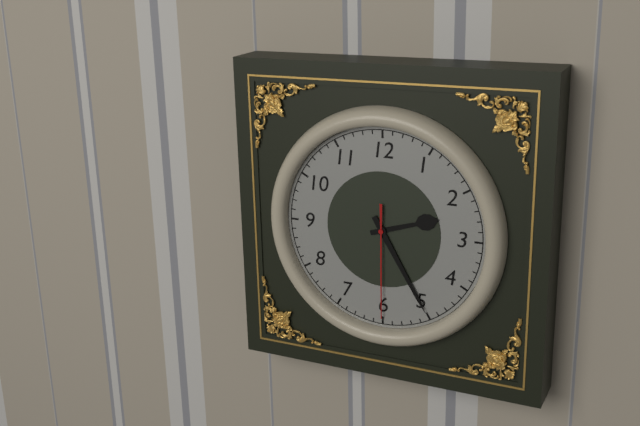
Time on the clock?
2:25:30
